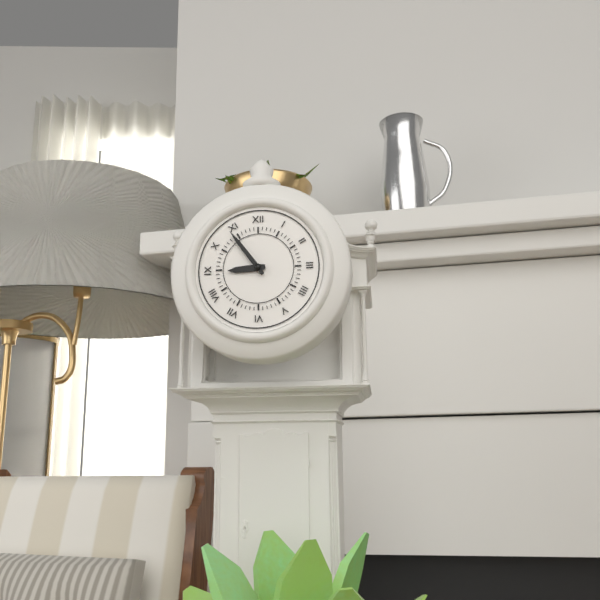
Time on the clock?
8:54
